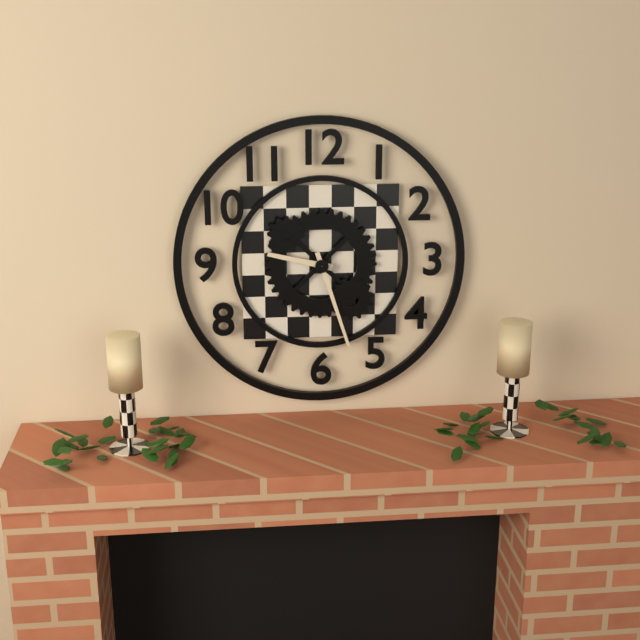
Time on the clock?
9:27
